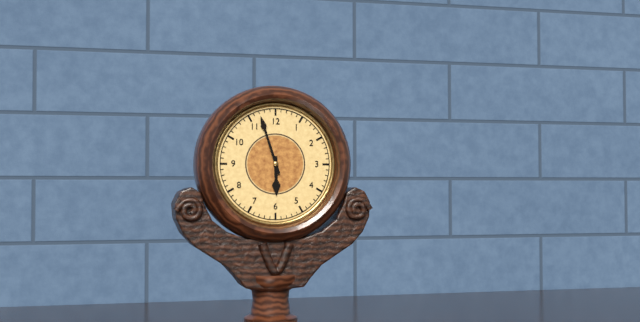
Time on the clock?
5:57
